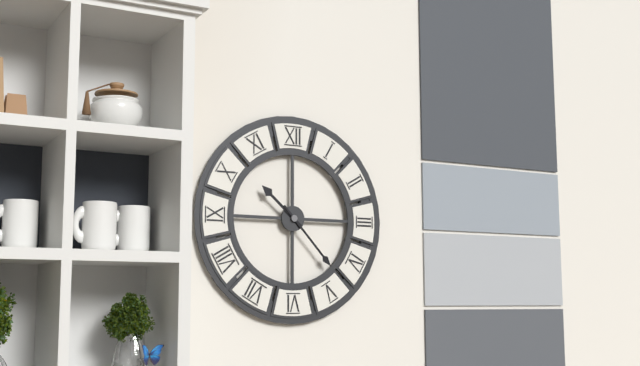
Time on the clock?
10:23
